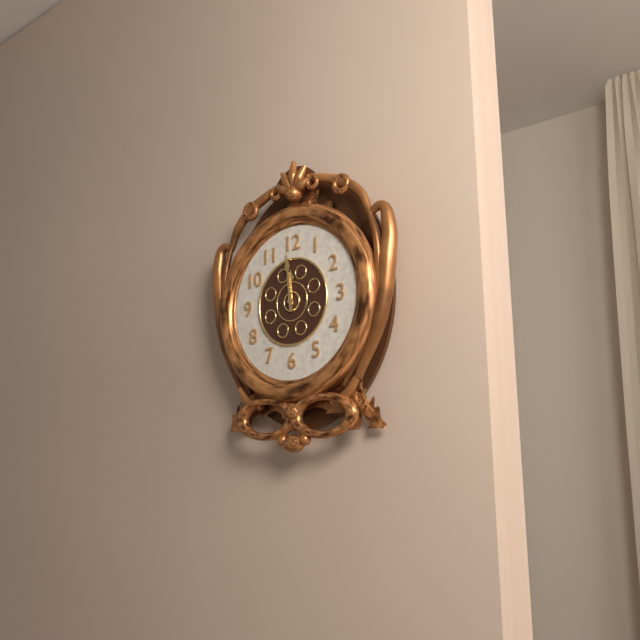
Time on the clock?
11:59
